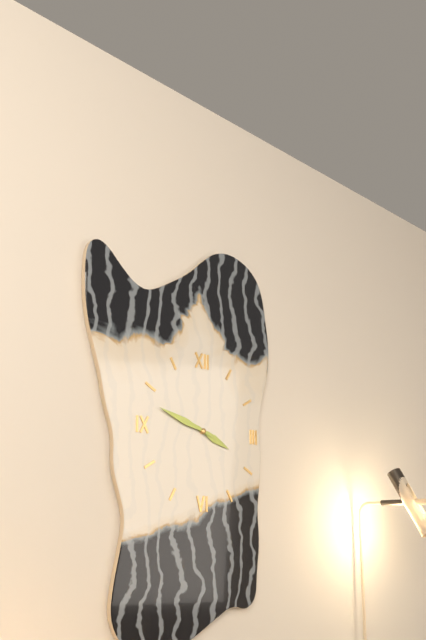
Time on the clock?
3:48
